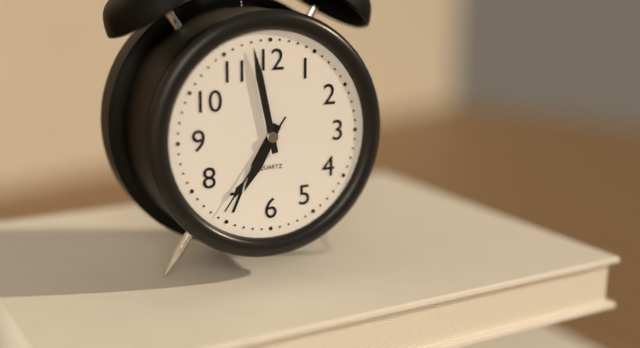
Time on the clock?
6:58:36
